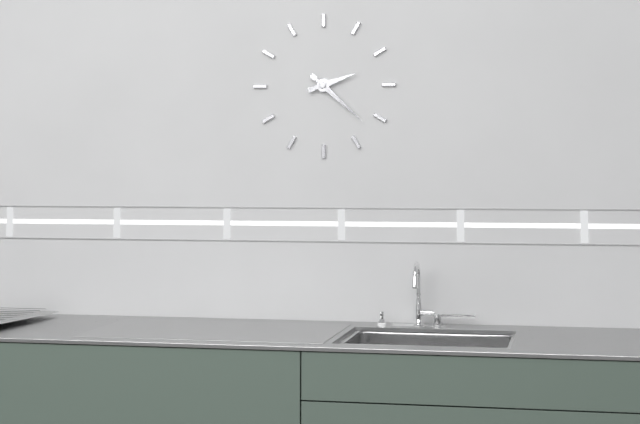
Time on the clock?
2:22
